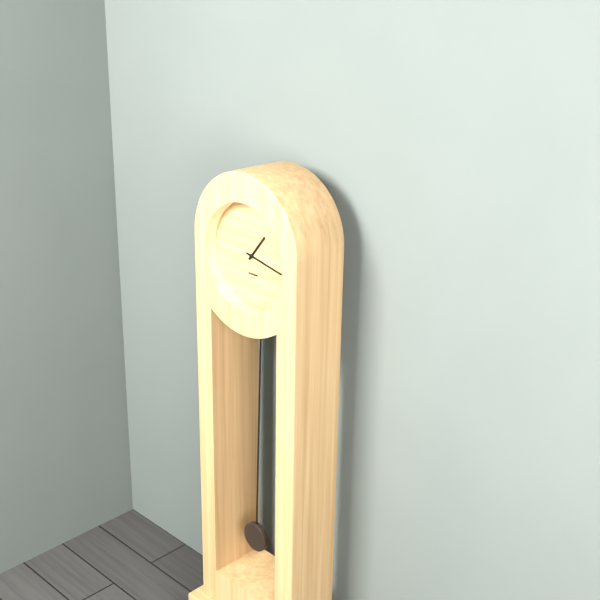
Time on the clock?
1:17
